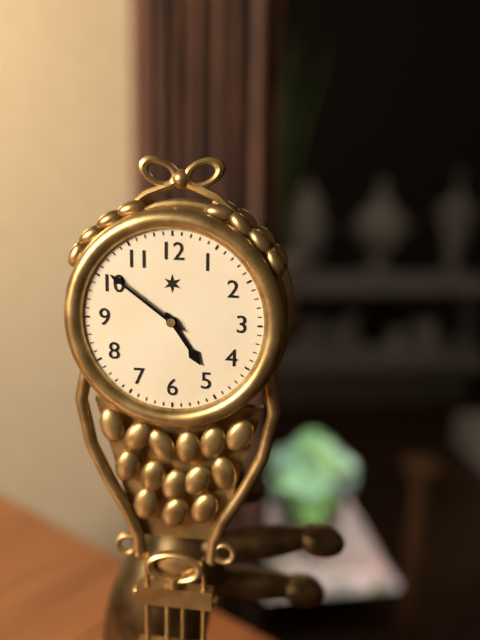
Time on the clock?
4:51
